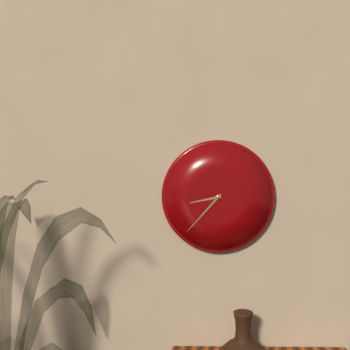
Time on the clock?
8:37
